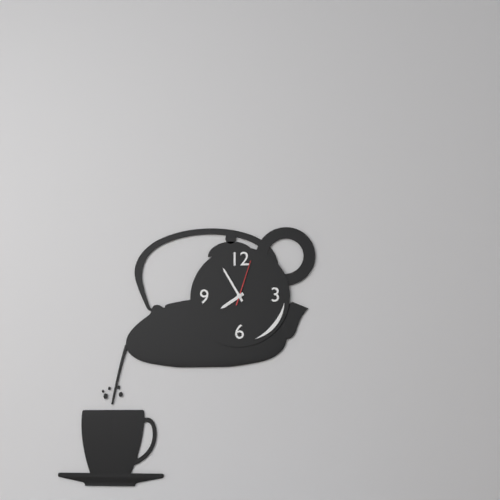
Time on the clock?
7:55
